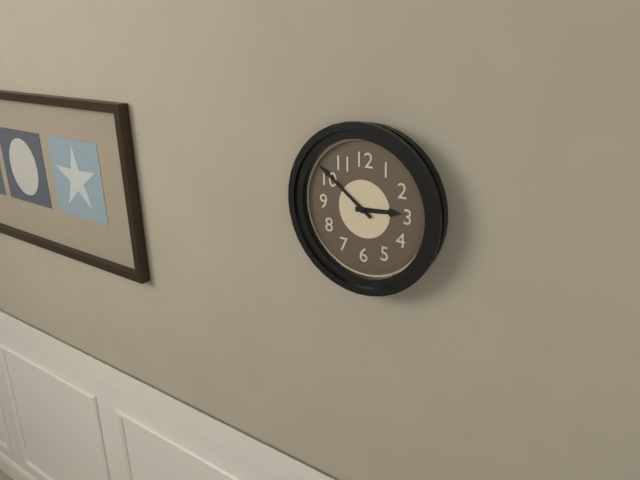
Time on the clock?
2:51
